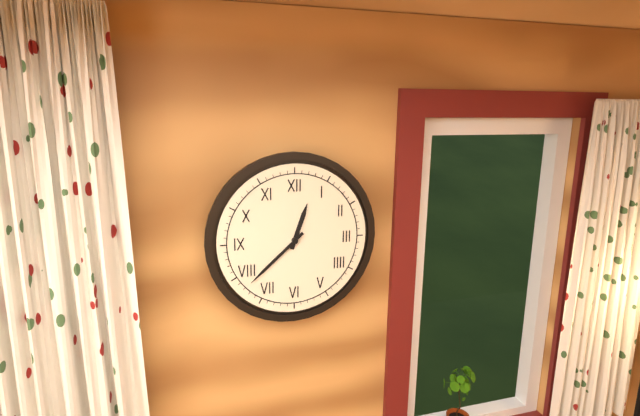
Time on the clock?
12:38
